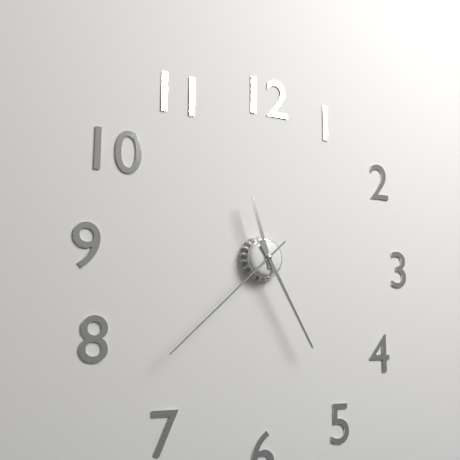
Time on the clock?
11:25:38
